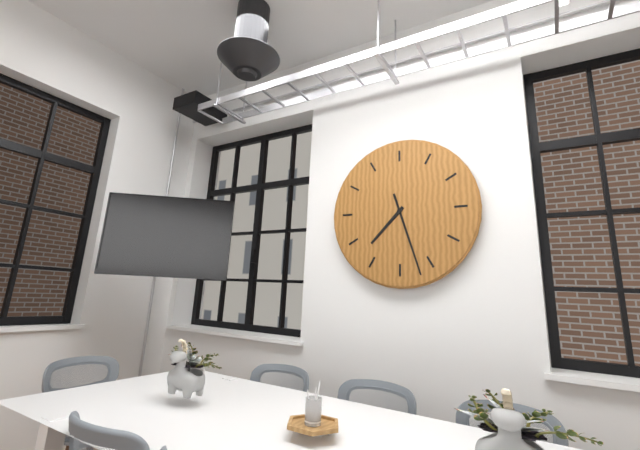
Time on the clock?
7:27
